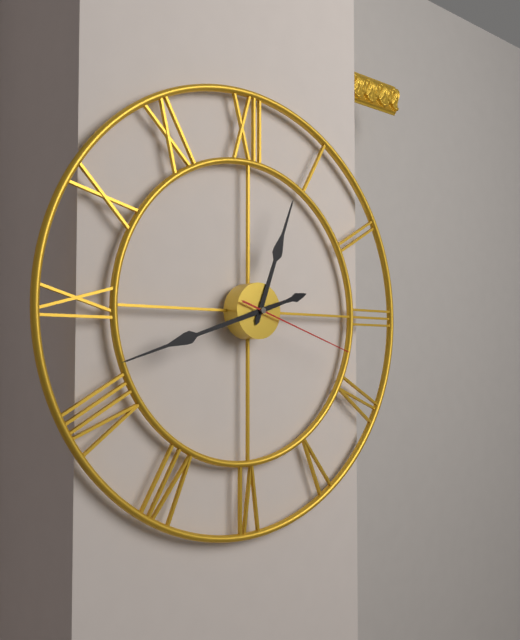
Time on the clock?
12:42:18
